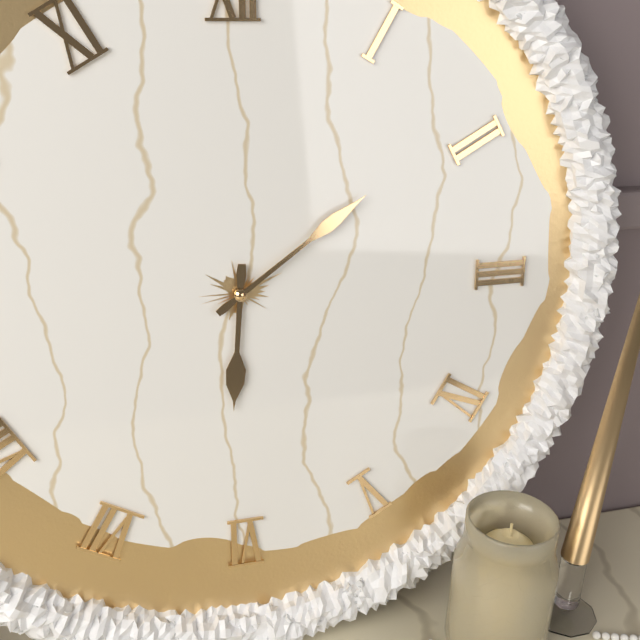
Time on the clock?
6:09
